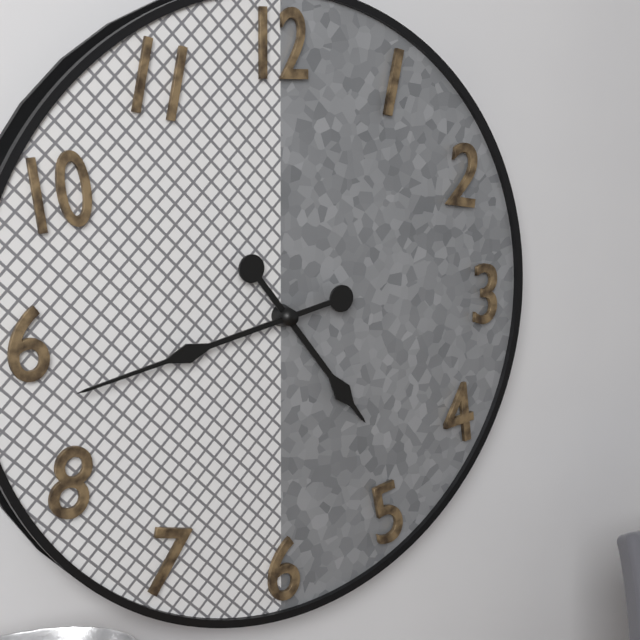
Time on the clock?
4:43
